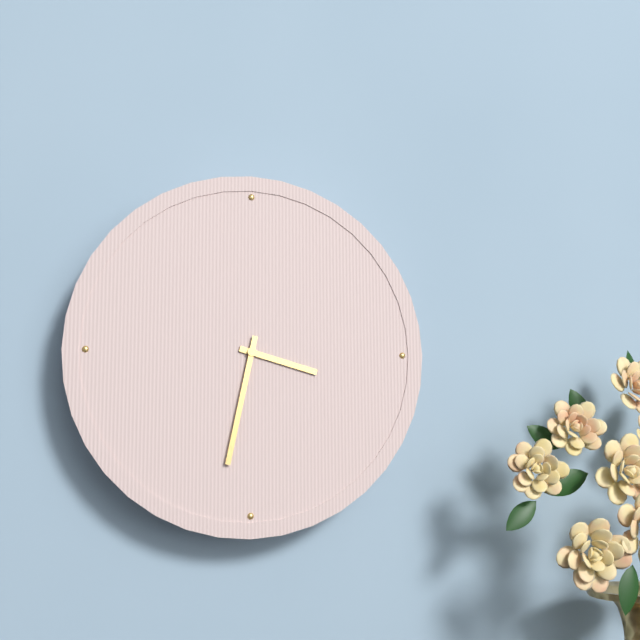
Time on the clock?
3:32
